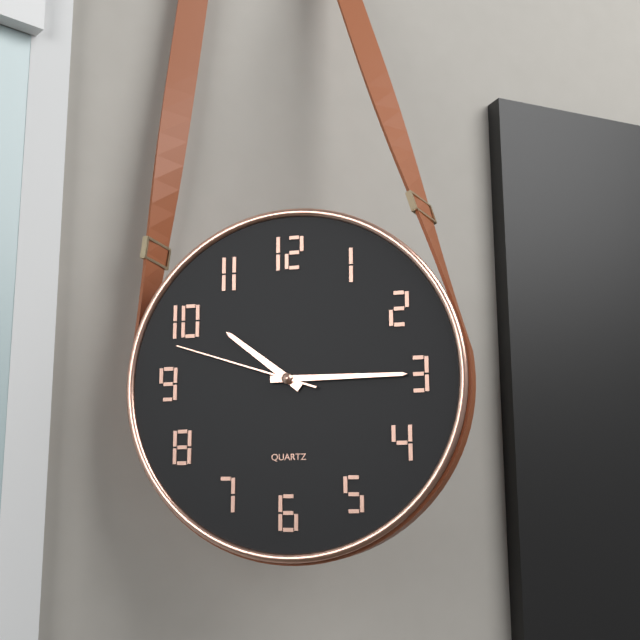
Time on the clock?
10:15:48
